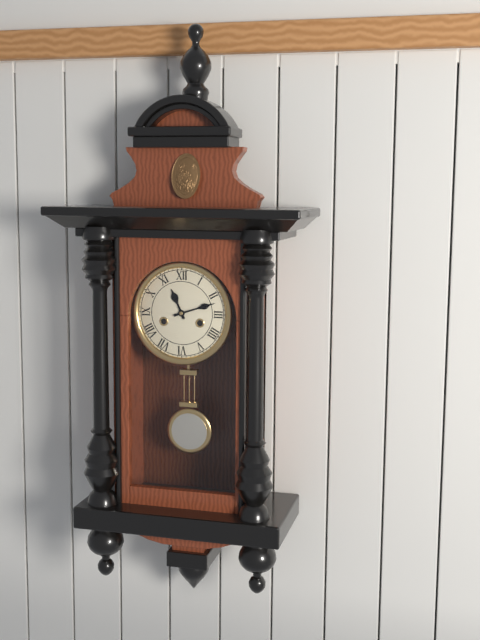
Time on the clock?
11:12
